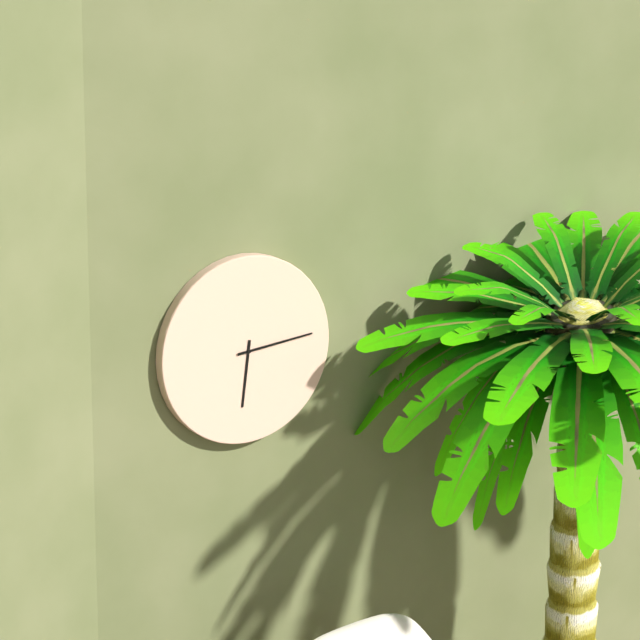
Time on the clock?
6:14
